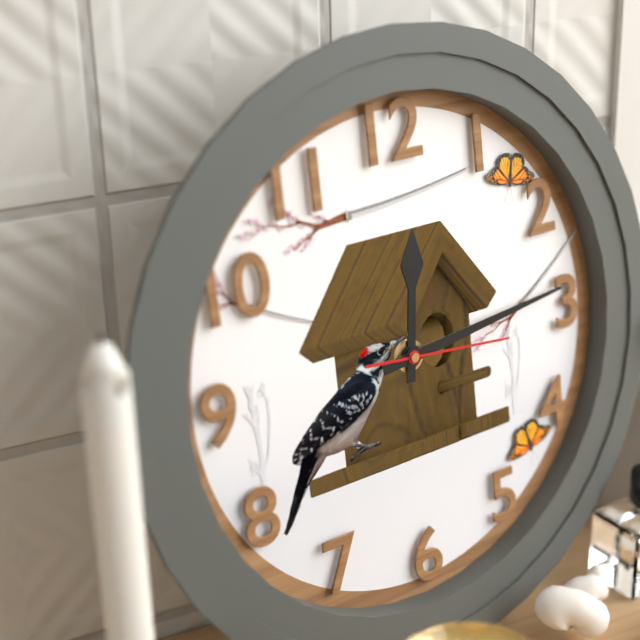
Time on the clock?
12:14:16
